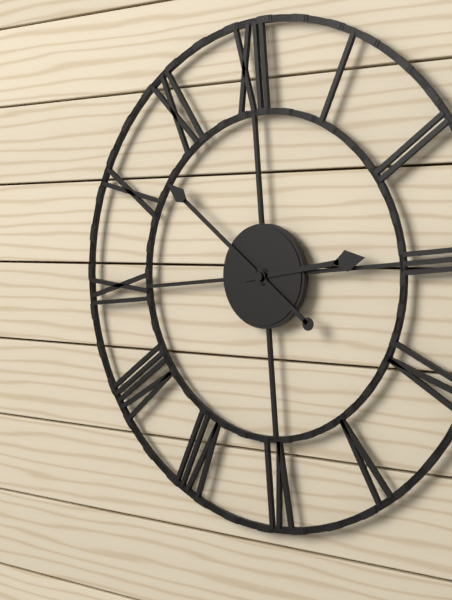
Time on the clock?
2:52
